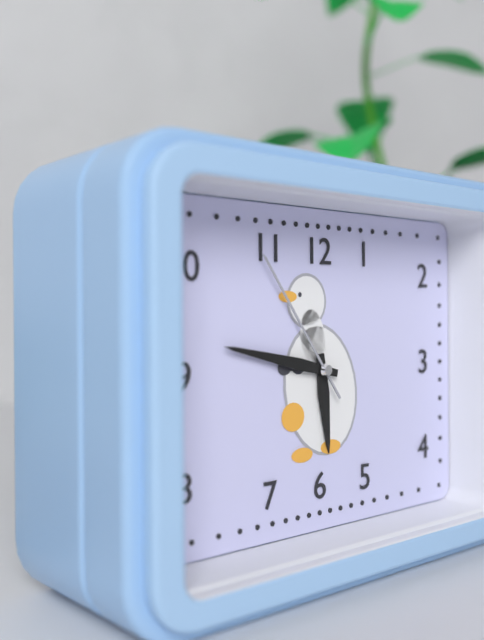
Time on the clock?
5:47:54
